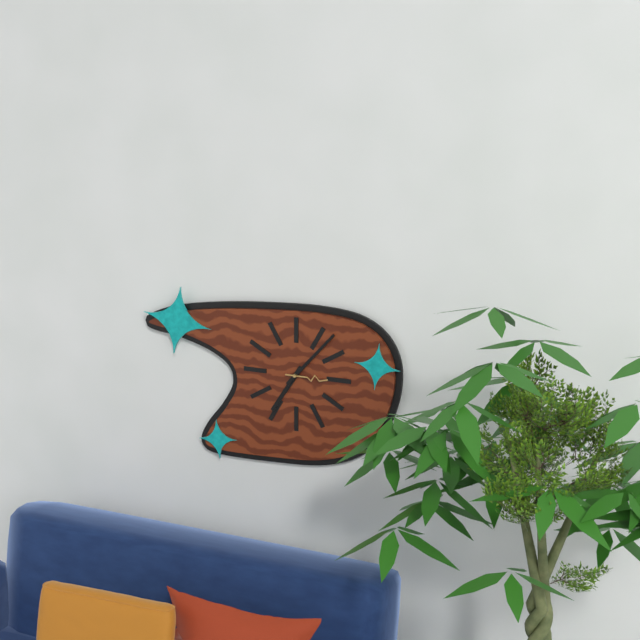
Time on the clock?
7:07
